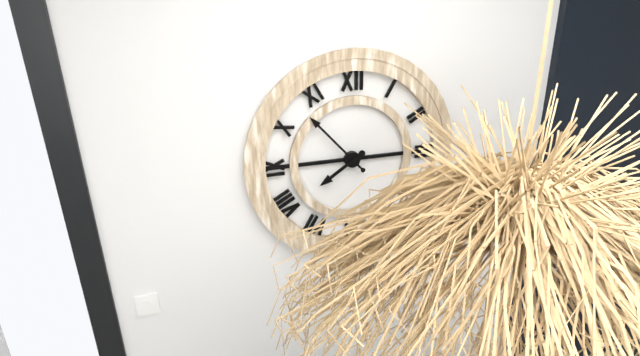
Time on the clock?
7:53
